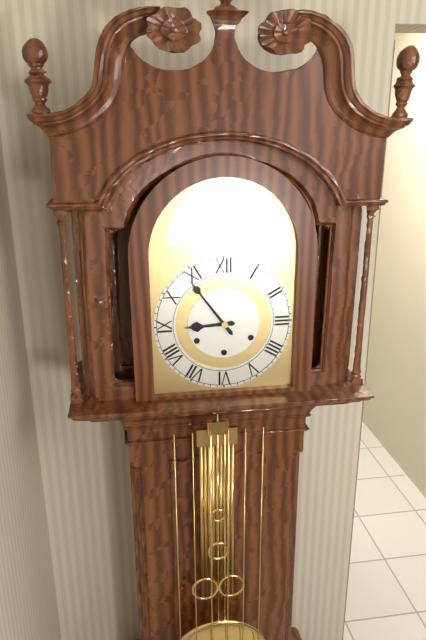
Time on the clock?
8:54
